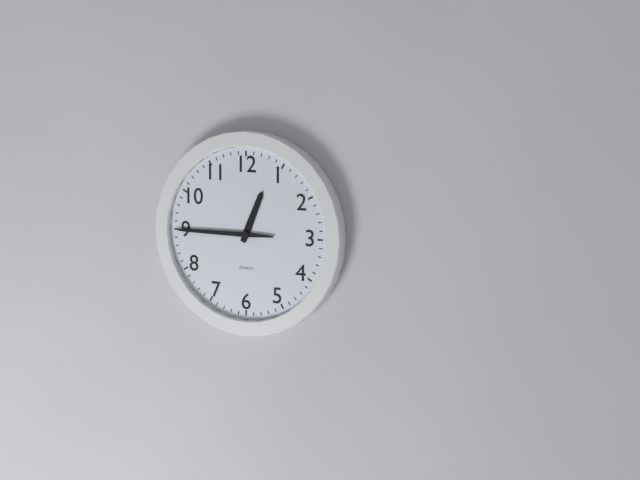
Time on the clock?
12:45
